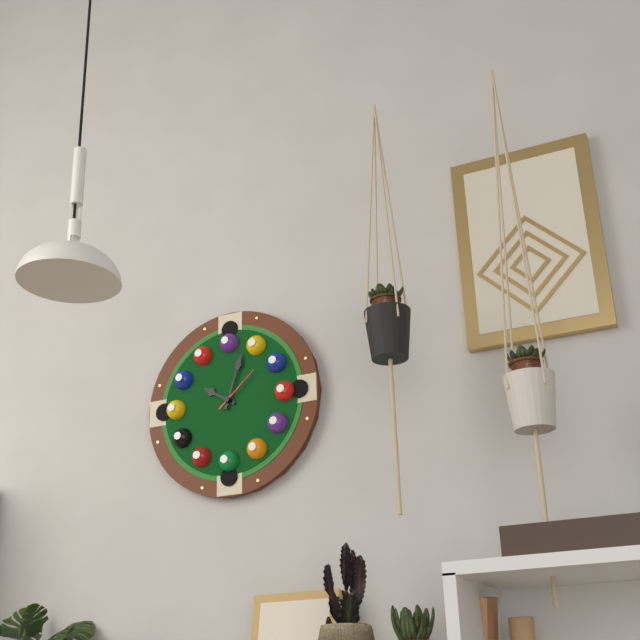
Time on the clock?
10:03:08
